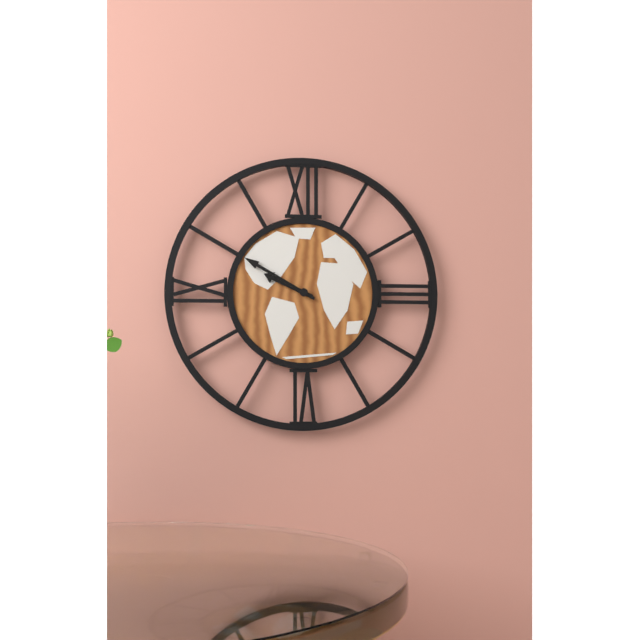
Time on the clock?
9:50
